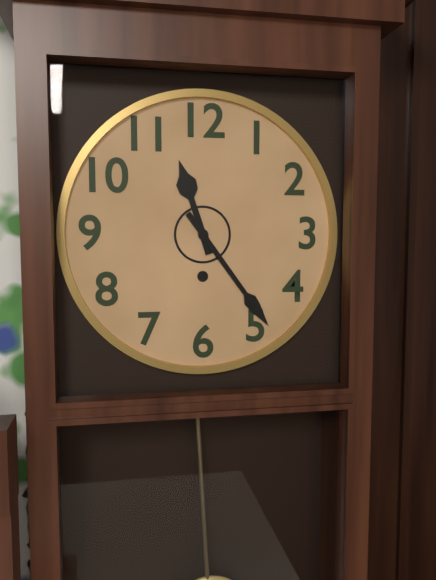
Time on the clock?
11:24
